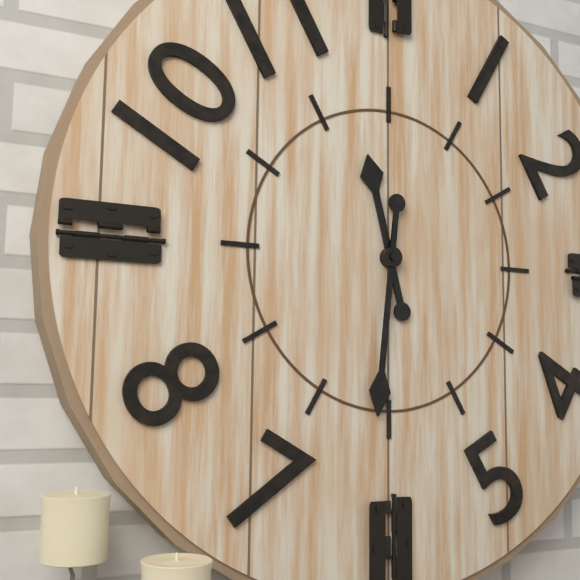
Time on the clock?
11:31
